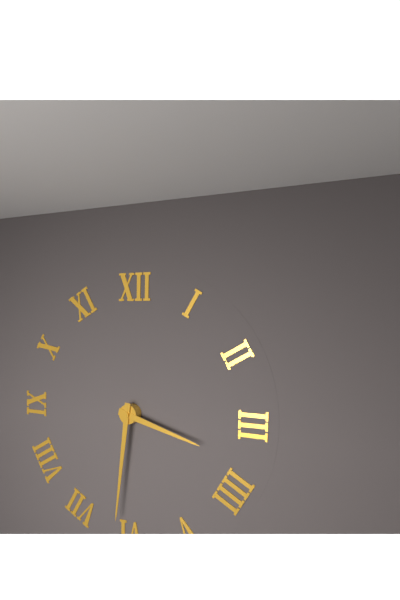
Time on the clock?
3:31
